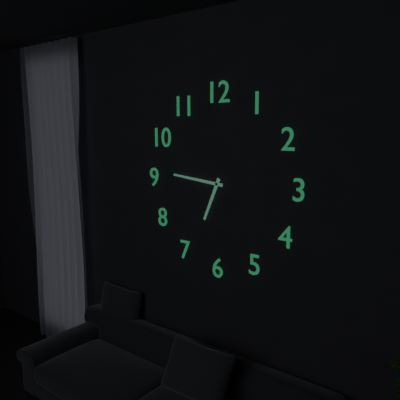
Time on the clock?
6:46
